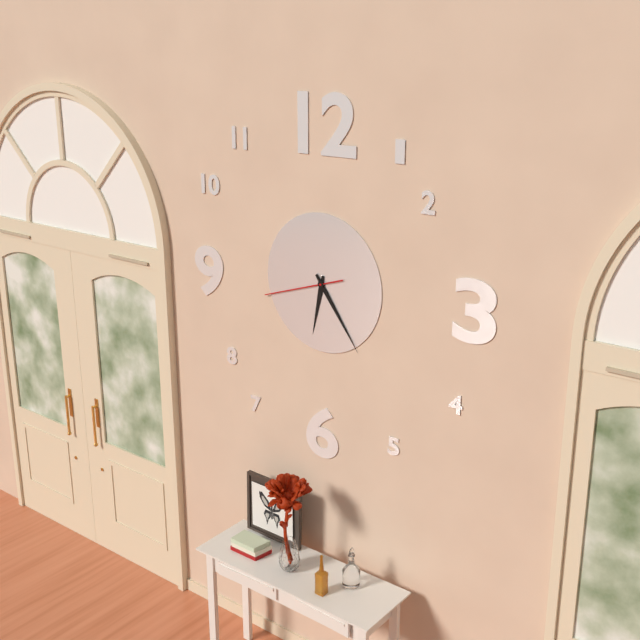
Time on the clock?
6:24:42
